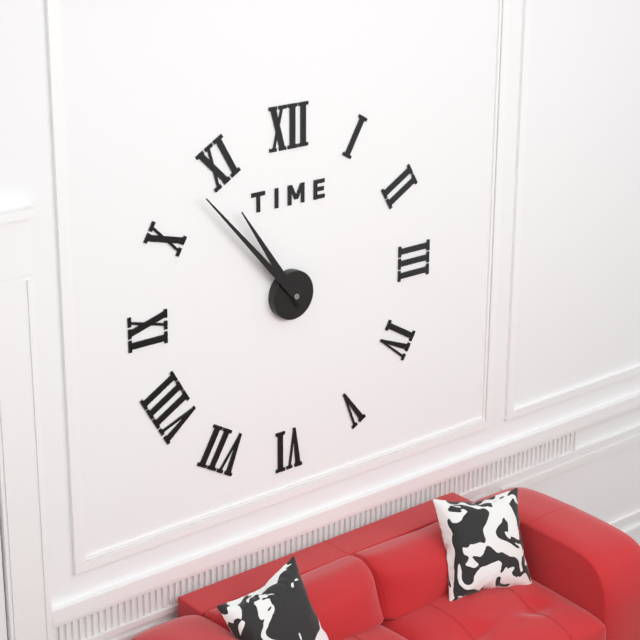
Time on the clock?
10:53
